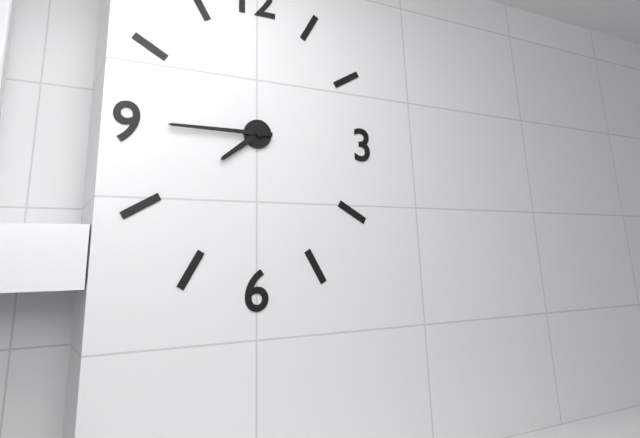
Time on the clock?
7:45
